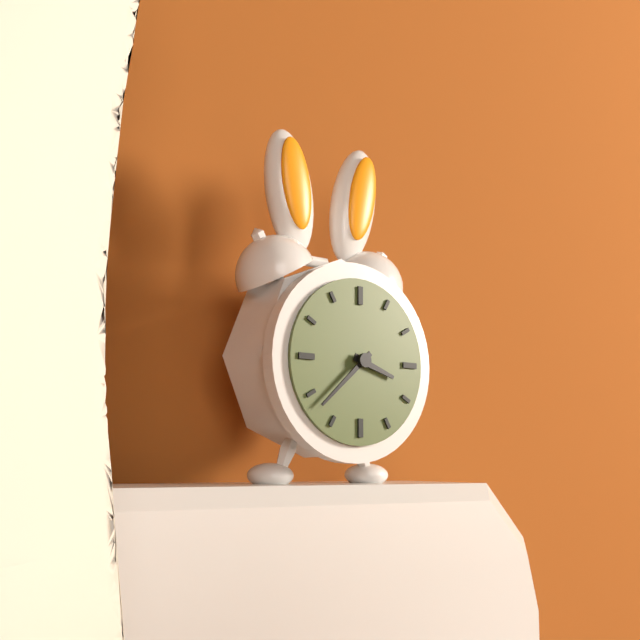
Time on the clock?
3:38
